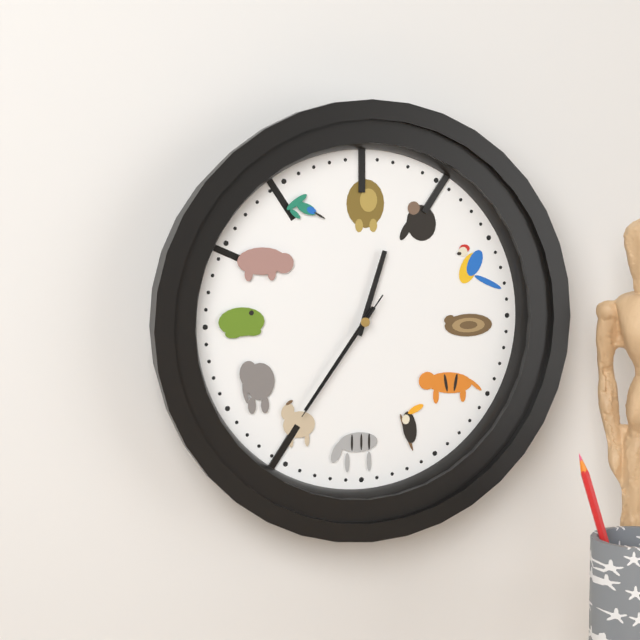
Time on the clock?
12:36:36
